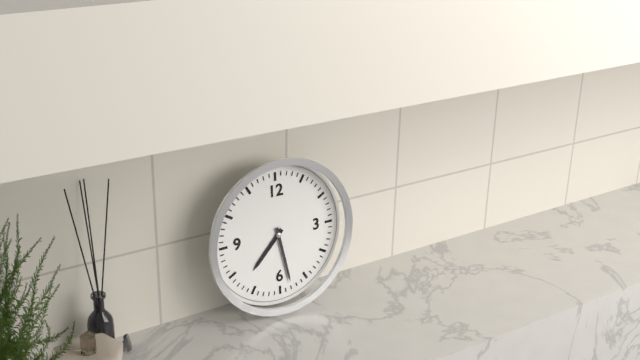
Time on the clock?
7:28
